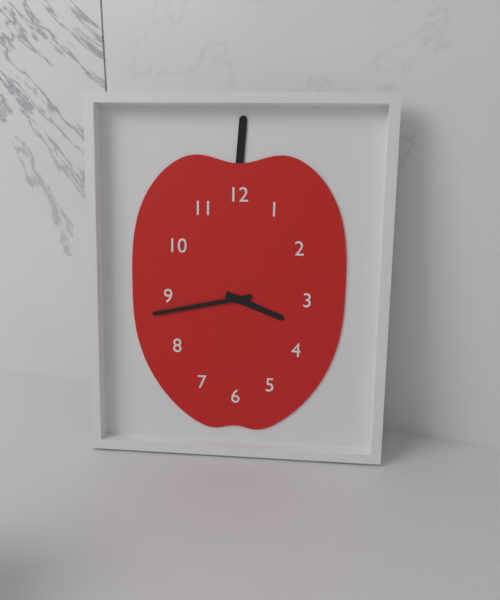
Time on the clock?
3:43
